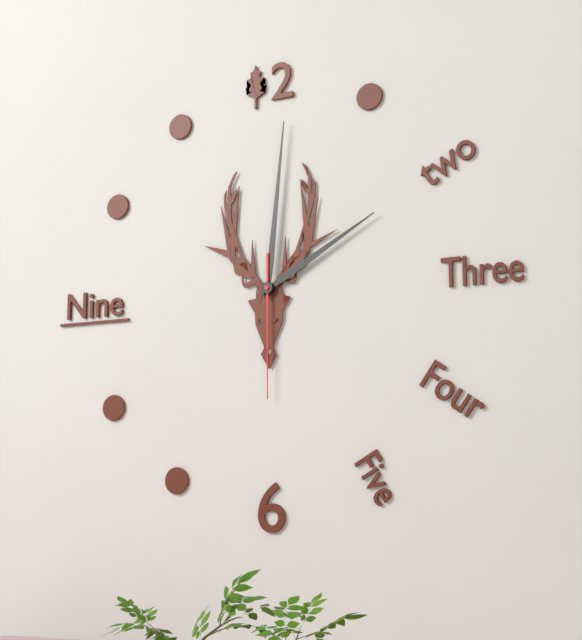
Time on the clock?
2:01:30
